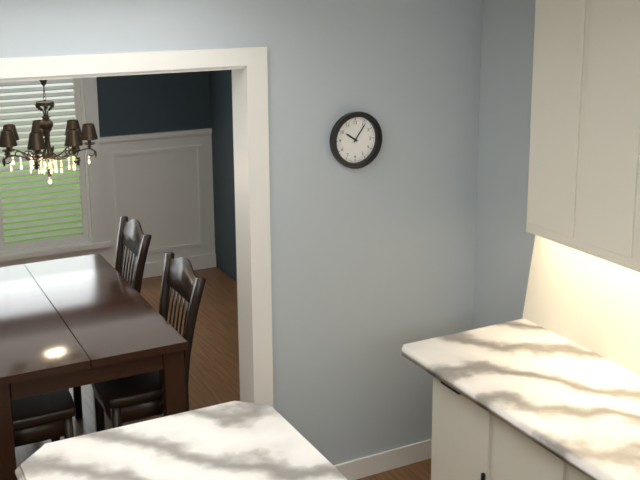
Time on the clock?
10:06
